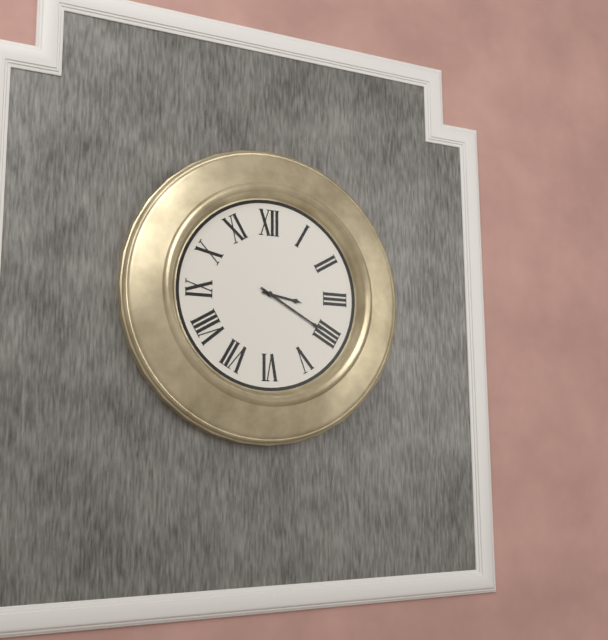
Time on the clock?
3:20
